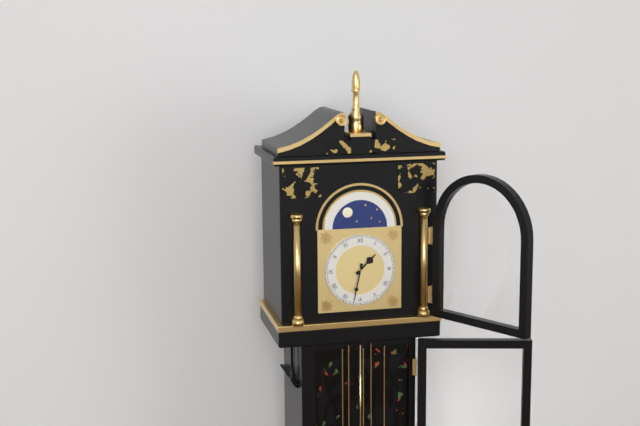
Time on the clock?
1:32
